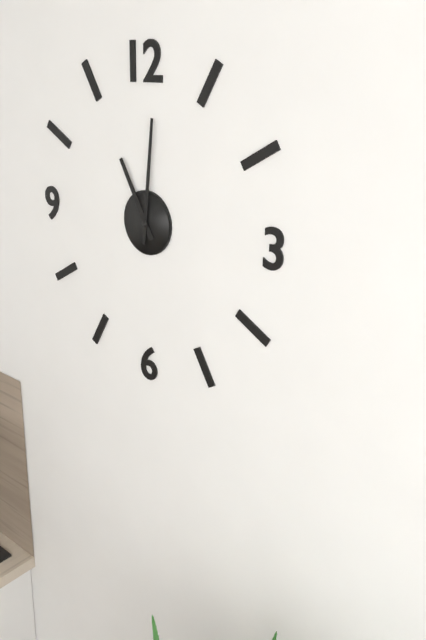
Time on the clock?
11:01
